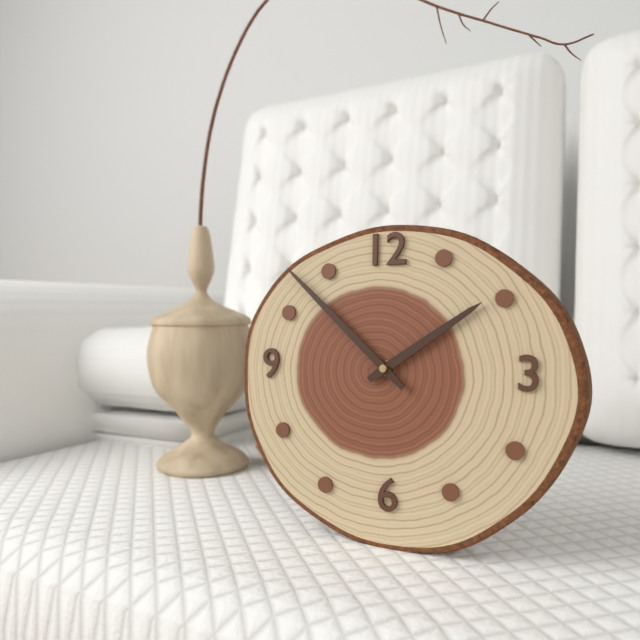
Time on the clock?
1:52
